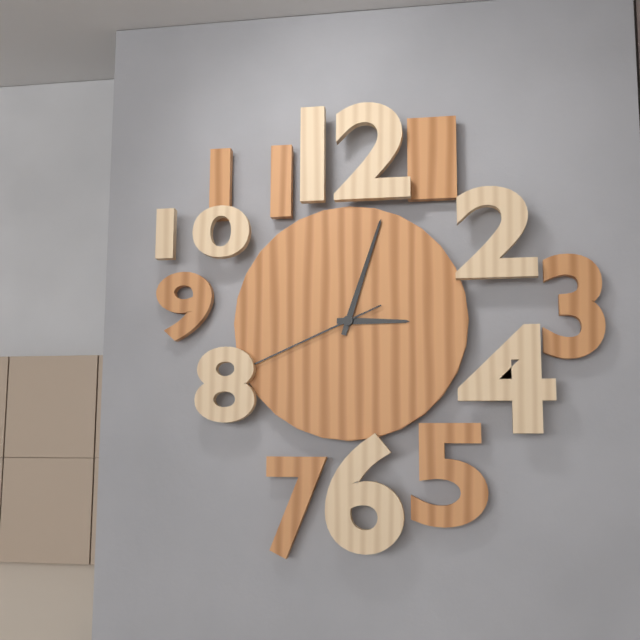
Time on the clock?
3:03:41
